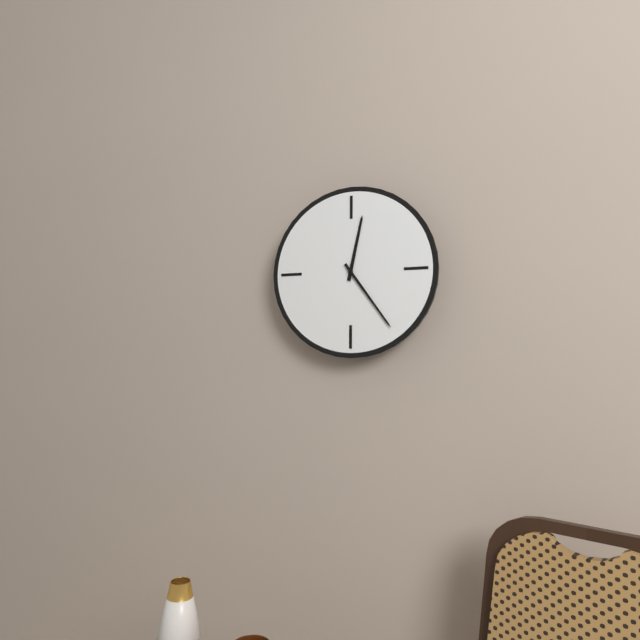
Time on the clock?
12:24
